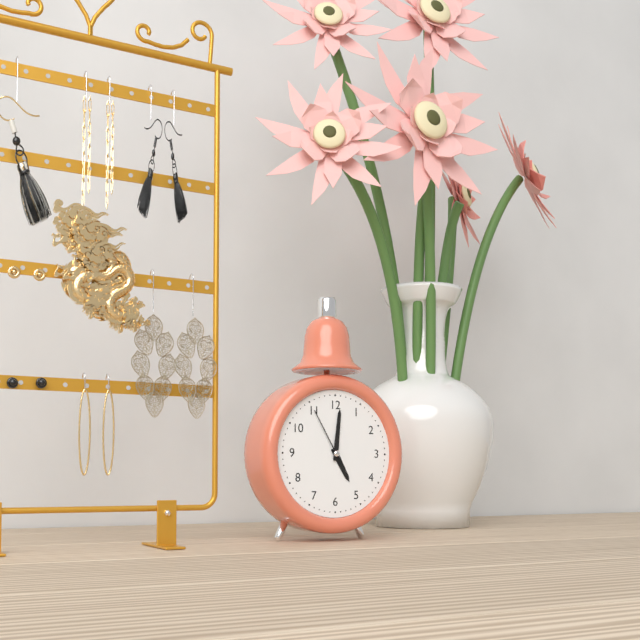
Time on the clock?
5:01:55
